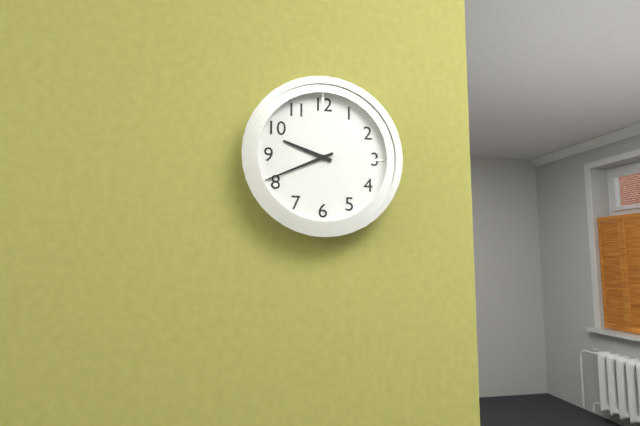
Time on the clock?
9:41
